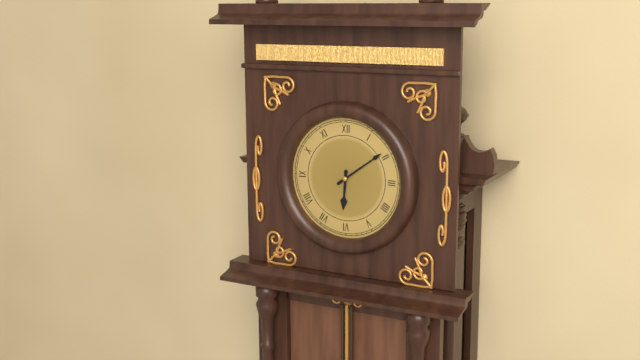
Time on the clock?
6:09
